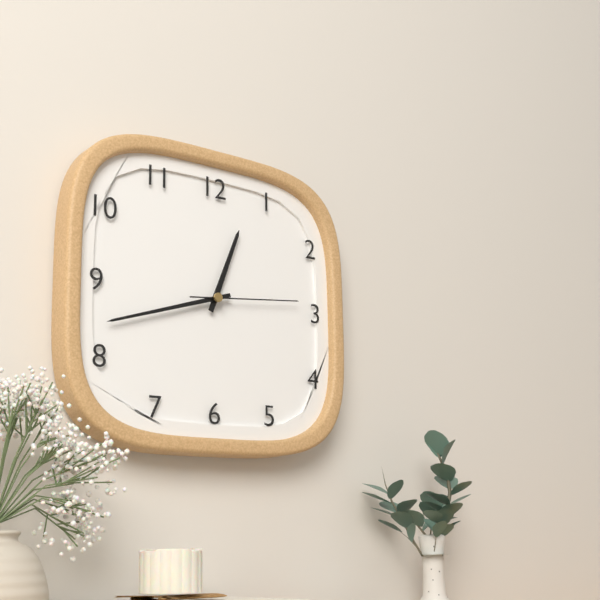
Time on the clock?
12:42:14
